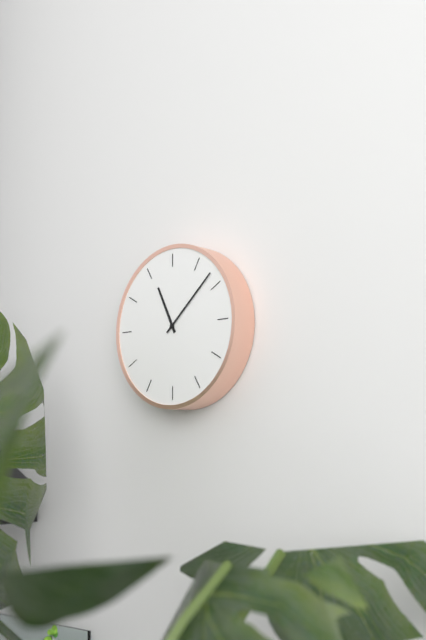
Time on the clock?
11:08
